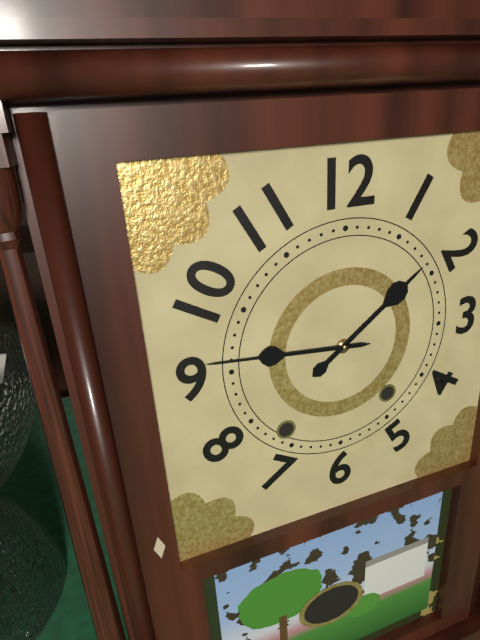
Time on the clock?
1:46
